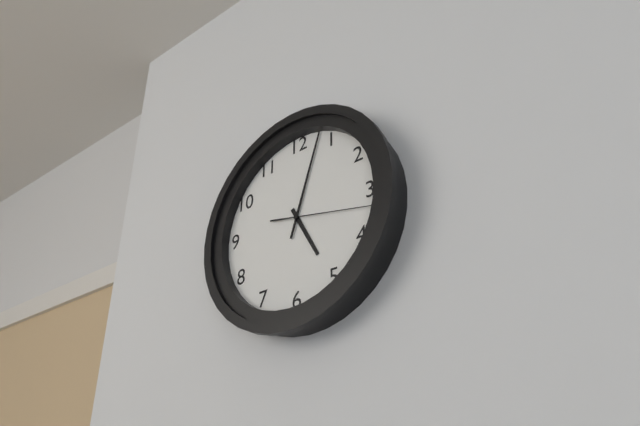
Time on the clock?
5:03:17
